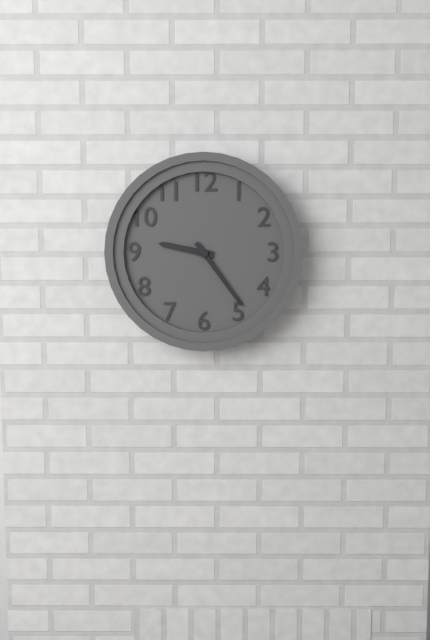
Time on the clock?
9:24
